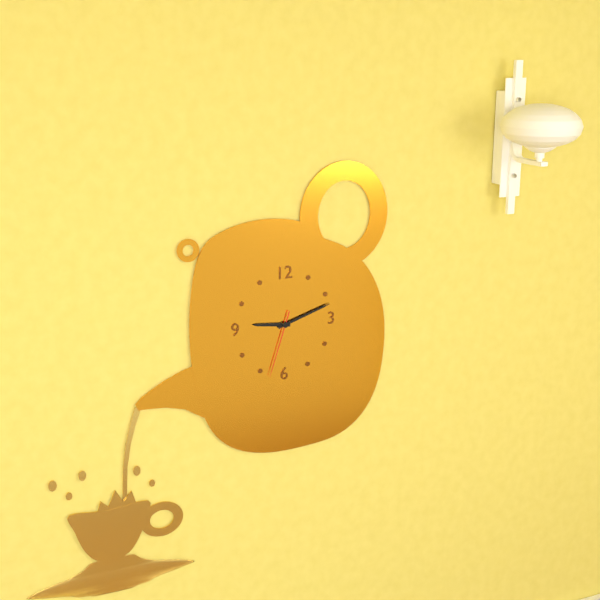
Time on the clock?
9:12:33
